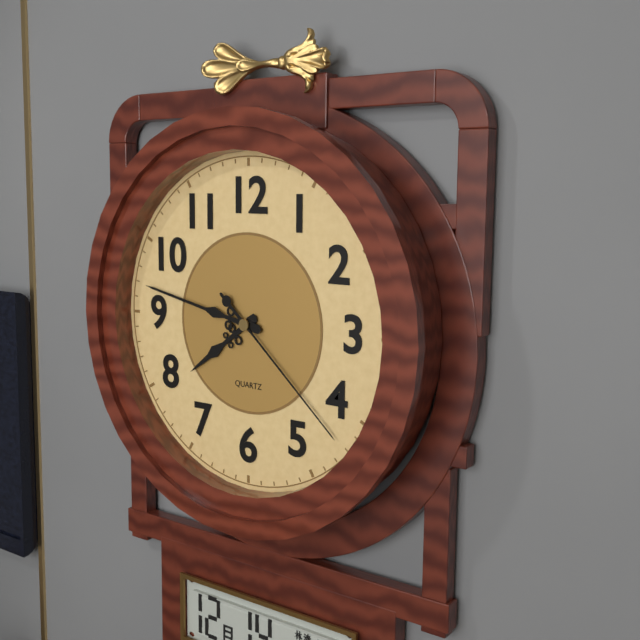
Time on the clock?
7:47:22
